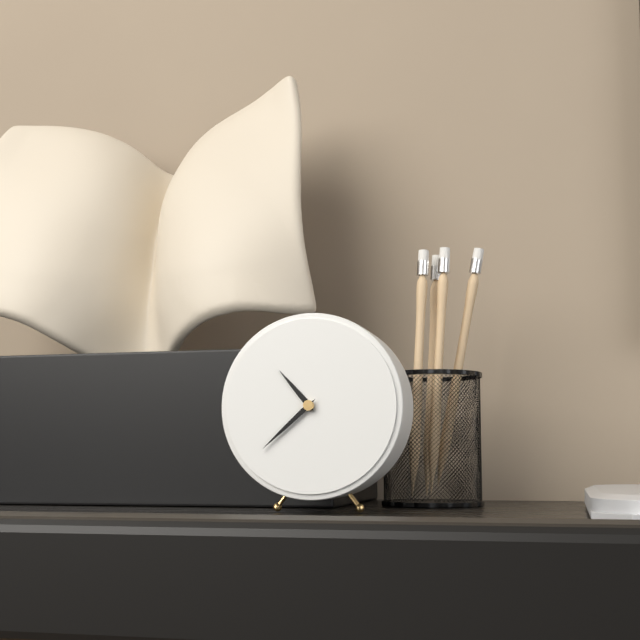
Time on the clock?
10:38
